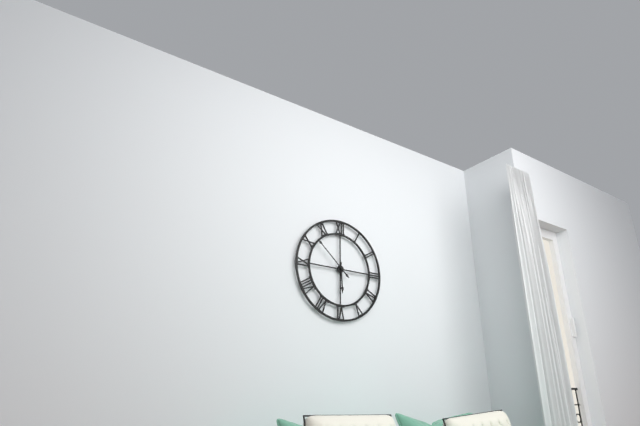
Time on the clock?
5:52
